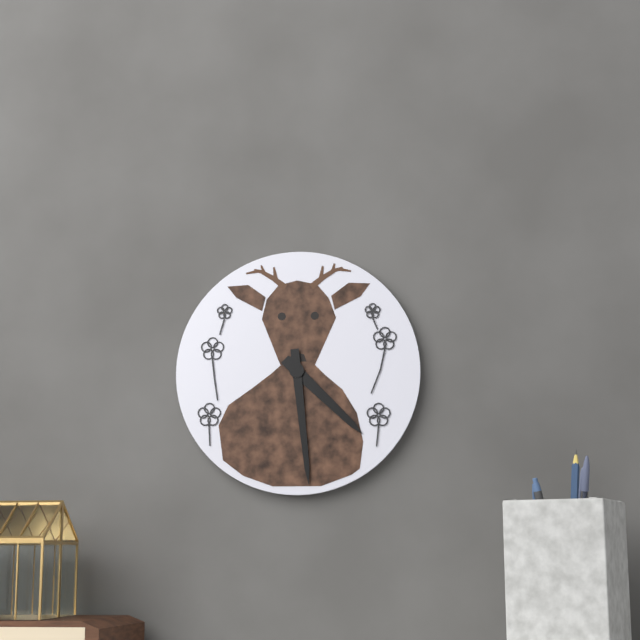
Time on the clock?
4:29
